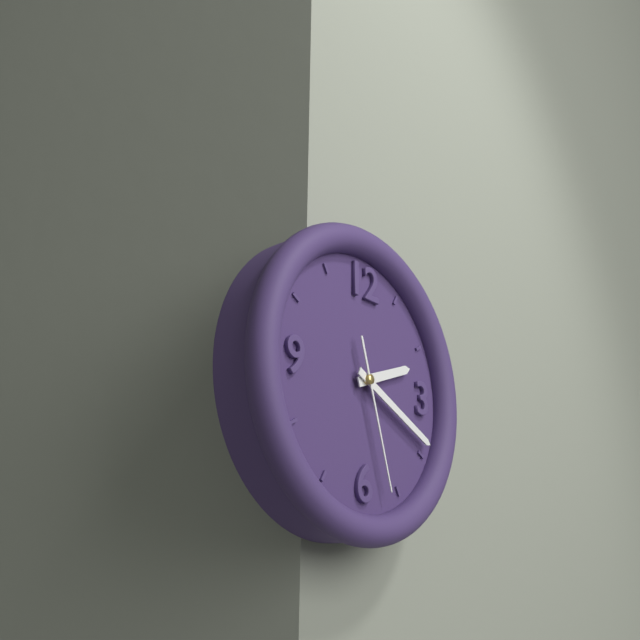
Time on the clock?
2:19:27
